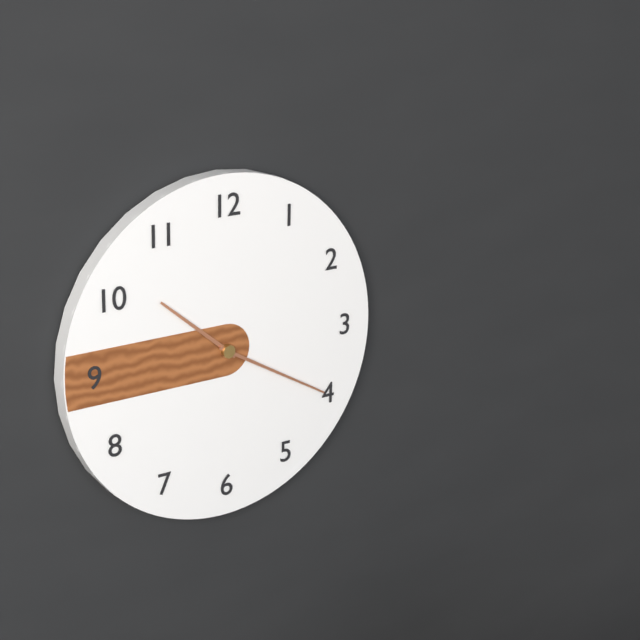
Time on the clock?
10:20
